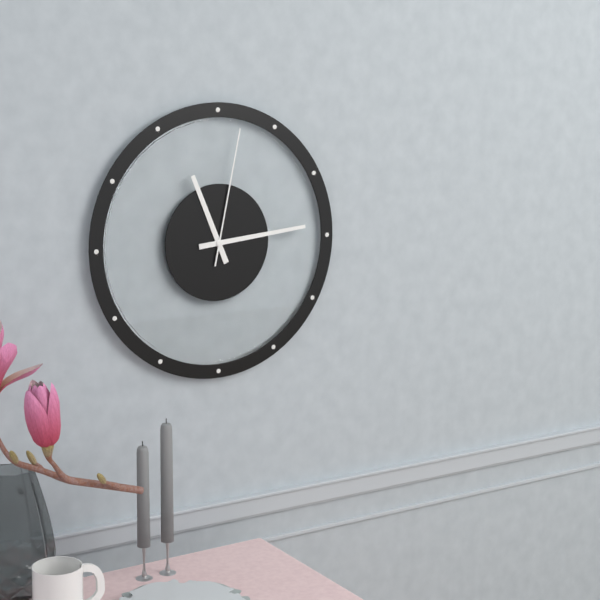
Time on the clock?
11:14:02
